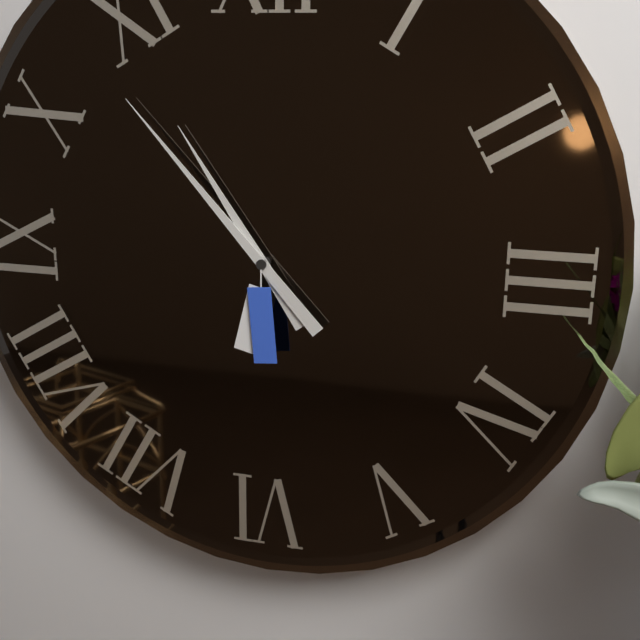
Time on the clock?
10:53
